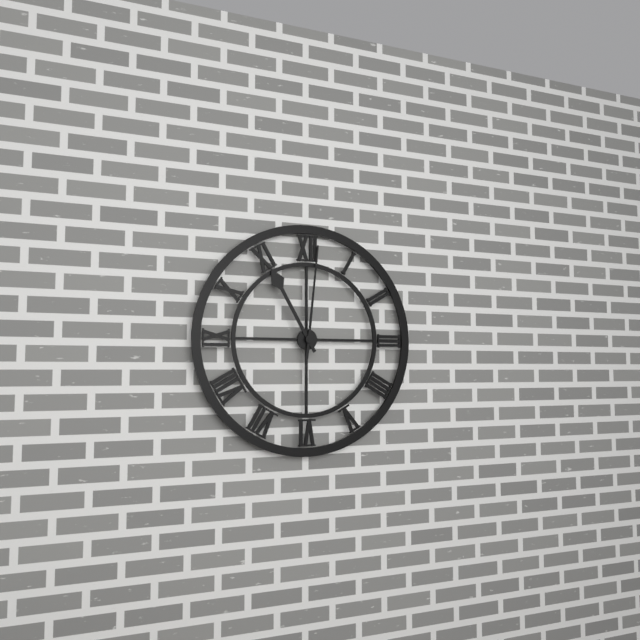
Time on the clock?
11:01
